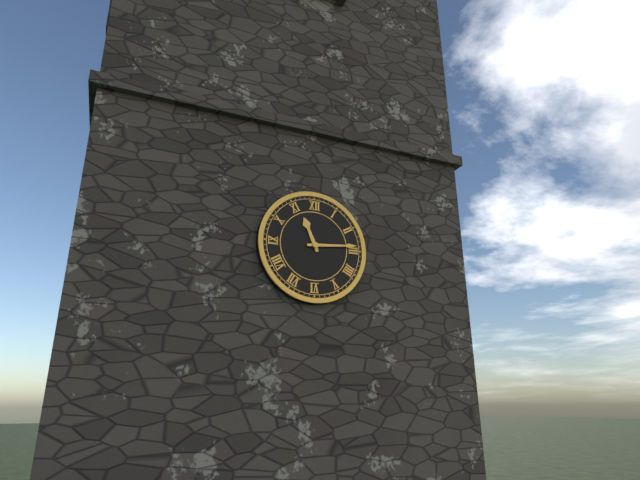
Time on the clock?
11:14
